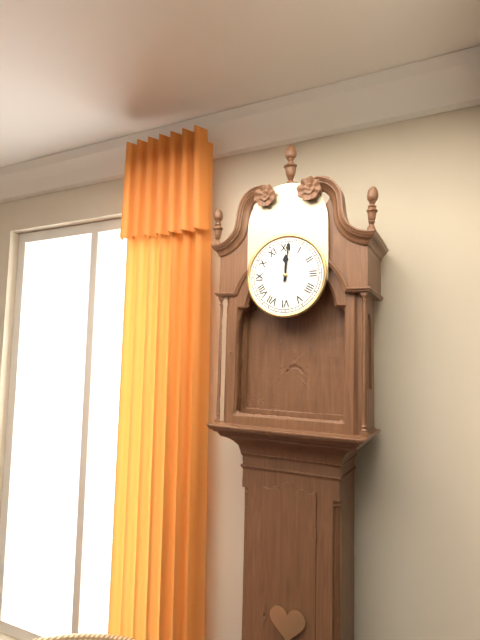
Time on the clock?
12:01
